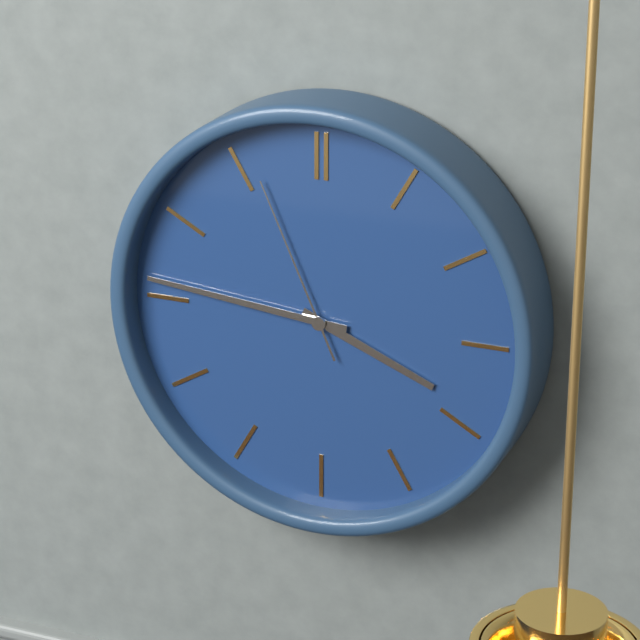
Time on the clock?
3:46:56
